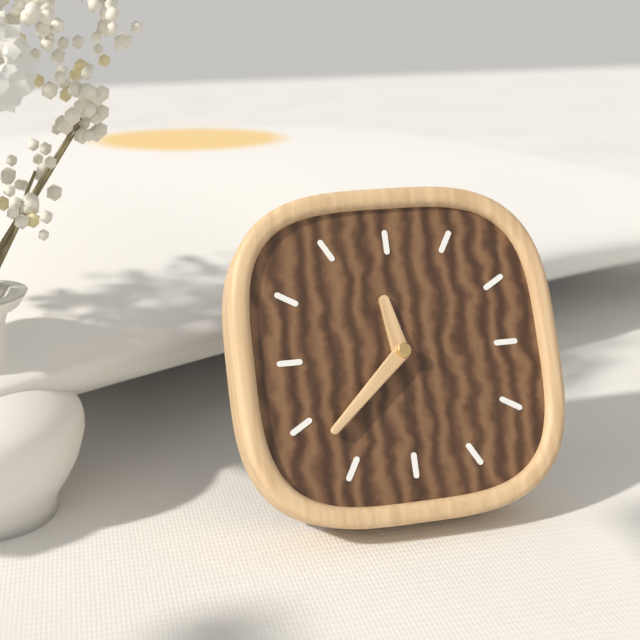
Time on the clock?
11:38
